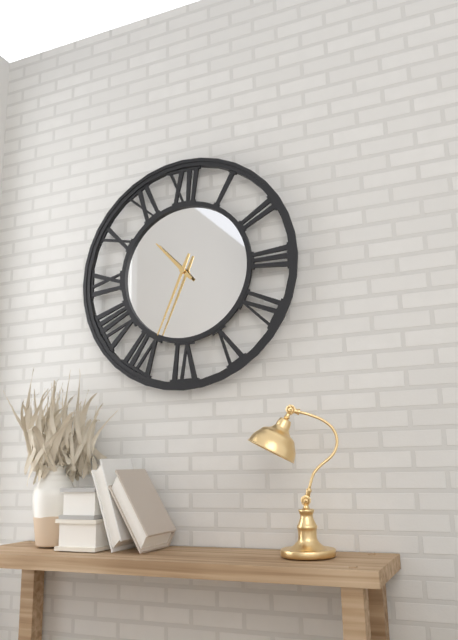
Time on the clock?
10:34
